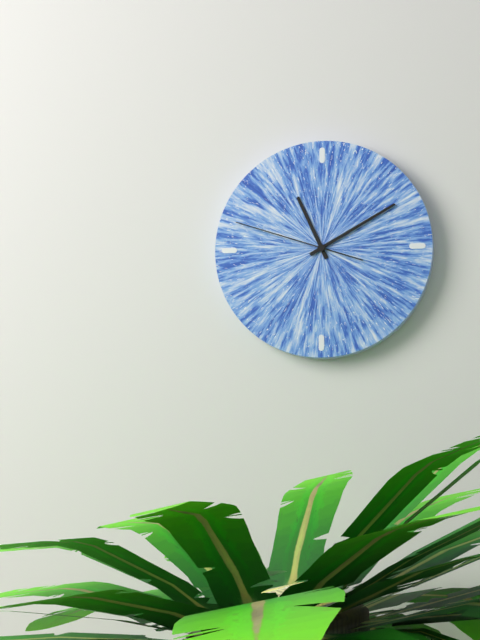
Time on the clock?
11:10:48
